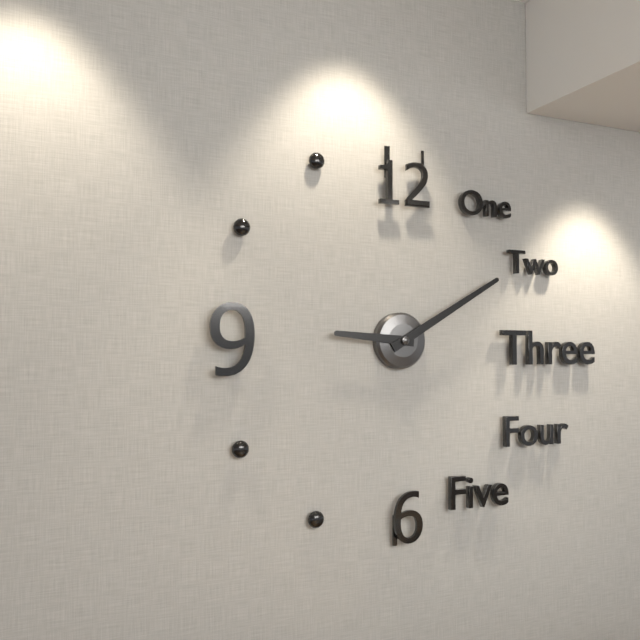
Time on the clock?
9:10
